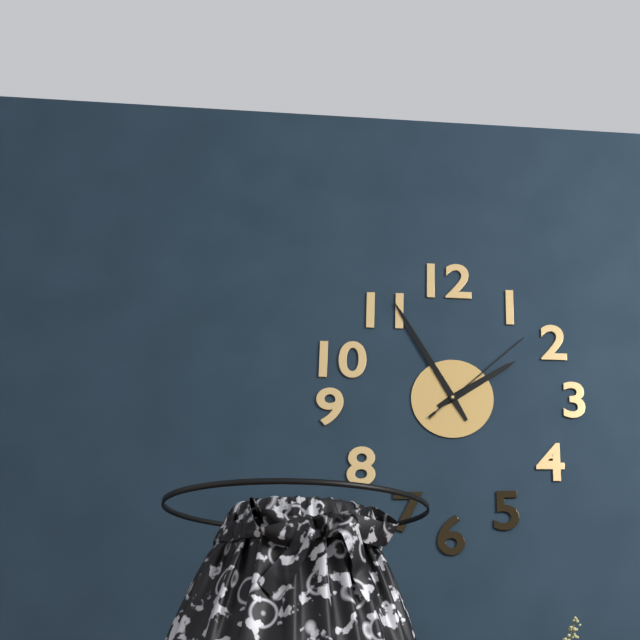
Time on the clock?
1:55:08
